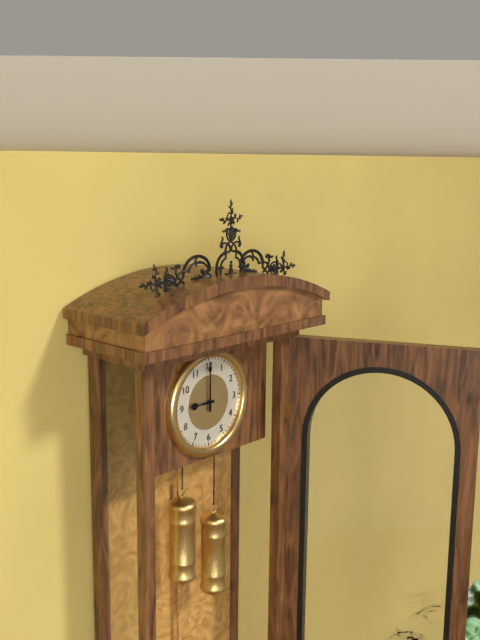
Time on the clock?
9:00
